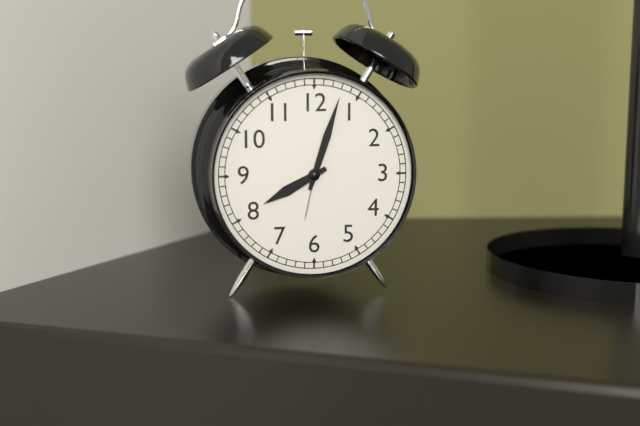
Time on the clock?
8:03
